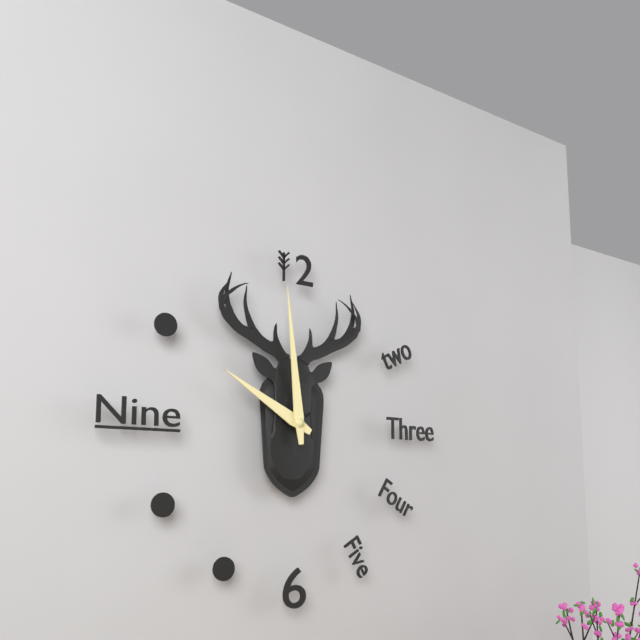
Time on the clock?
9:59
